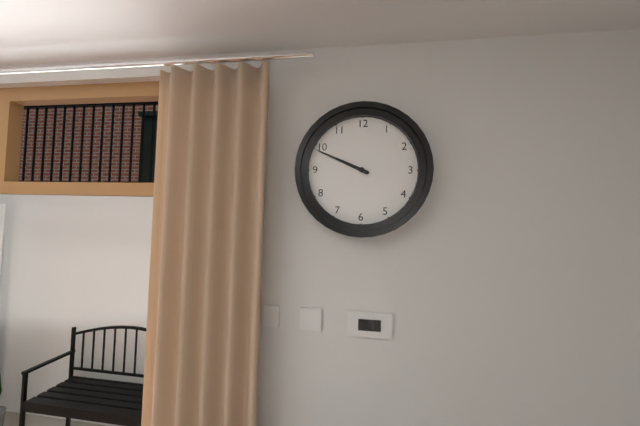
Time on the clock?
9:49
